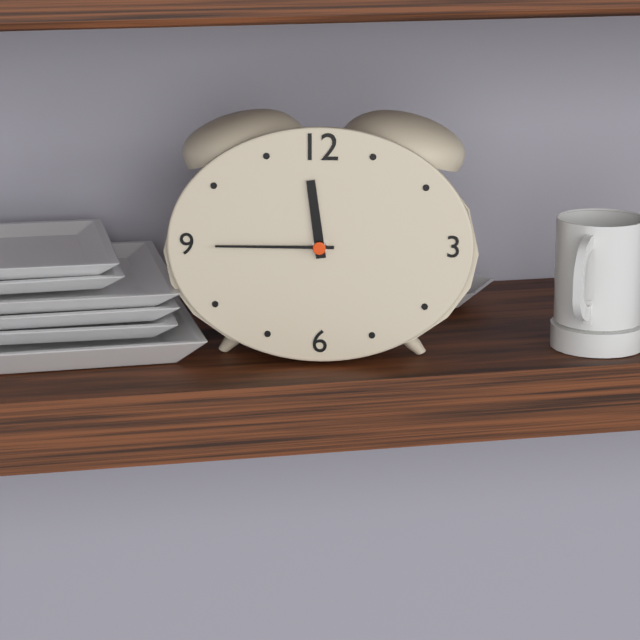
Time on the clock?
11:45
